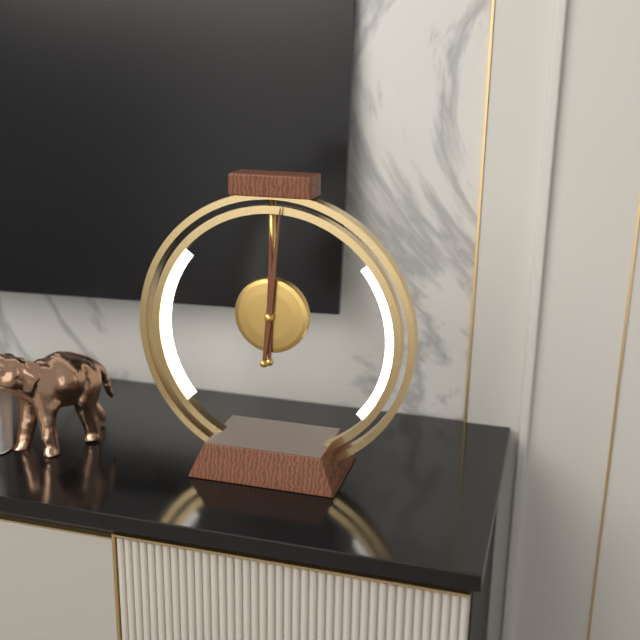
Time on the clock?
12:01
